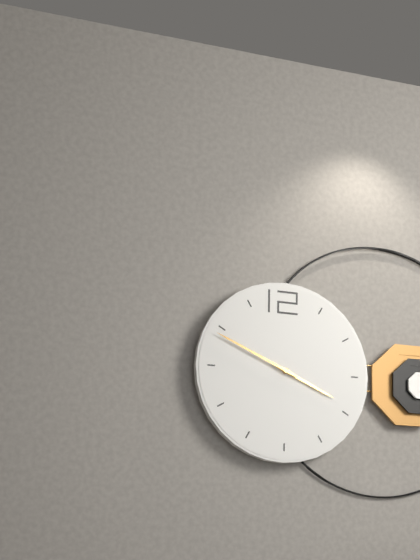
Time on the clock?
3:49
